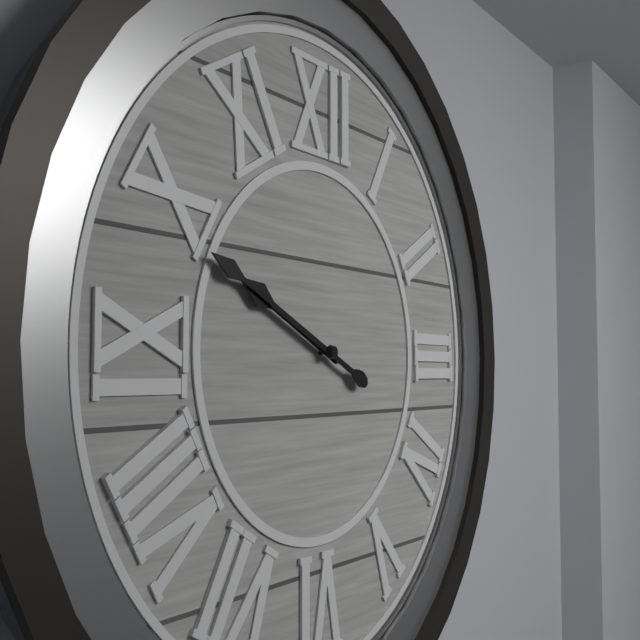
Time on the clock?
9:49
